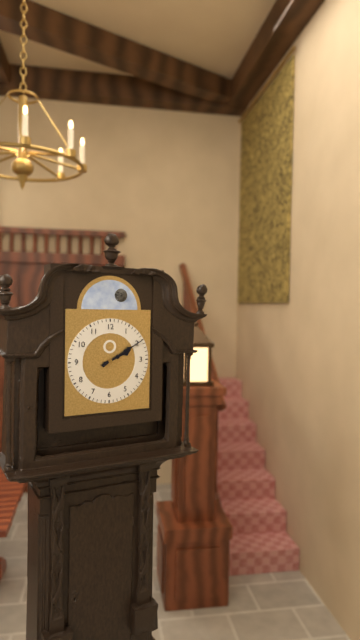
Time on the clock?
2:10
